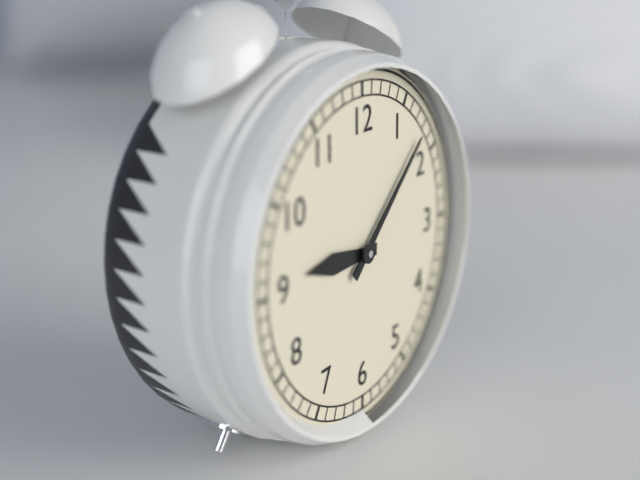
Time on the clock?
9:08
